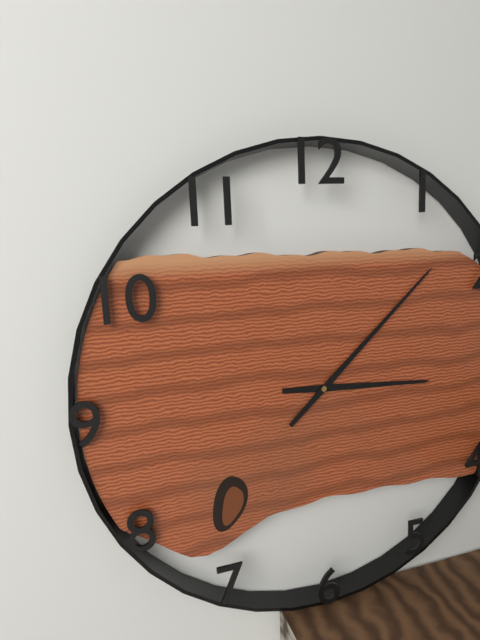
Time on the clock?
3:08
